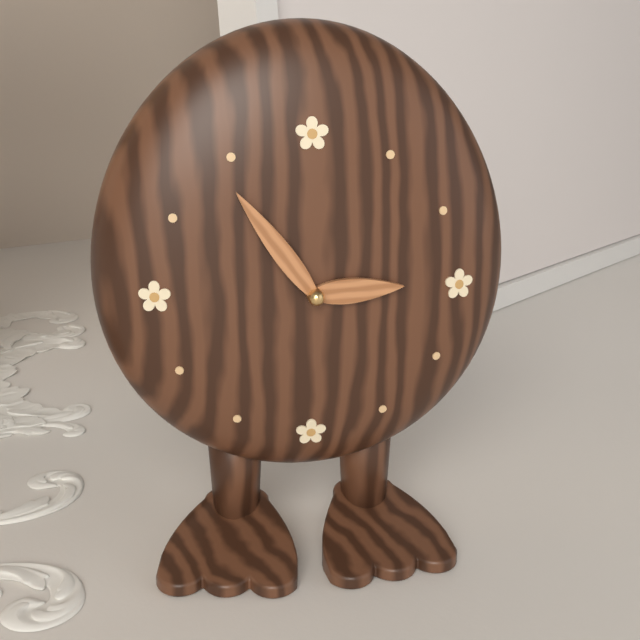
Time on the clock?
2:54
